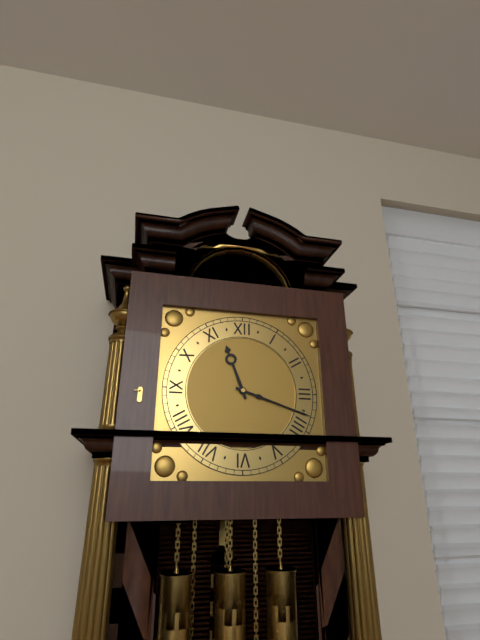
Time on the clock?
11:18
